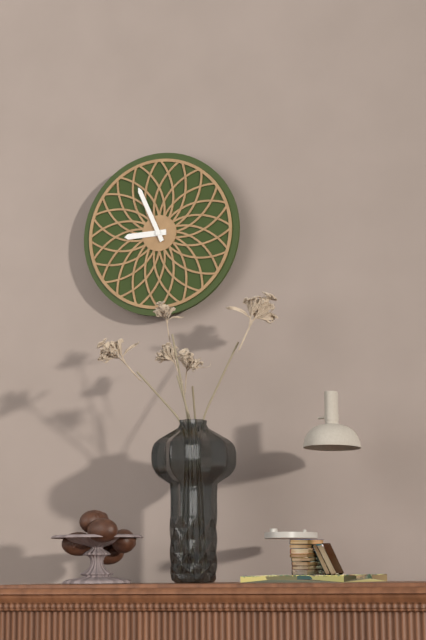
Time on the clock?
8:56
